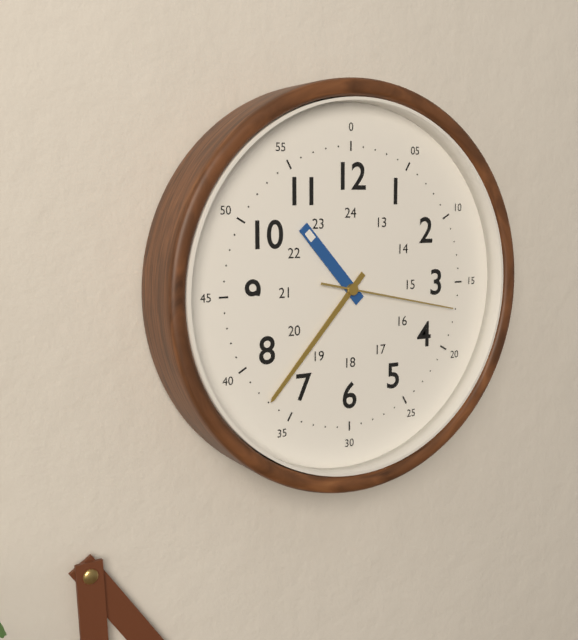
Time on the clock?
10:37:17
